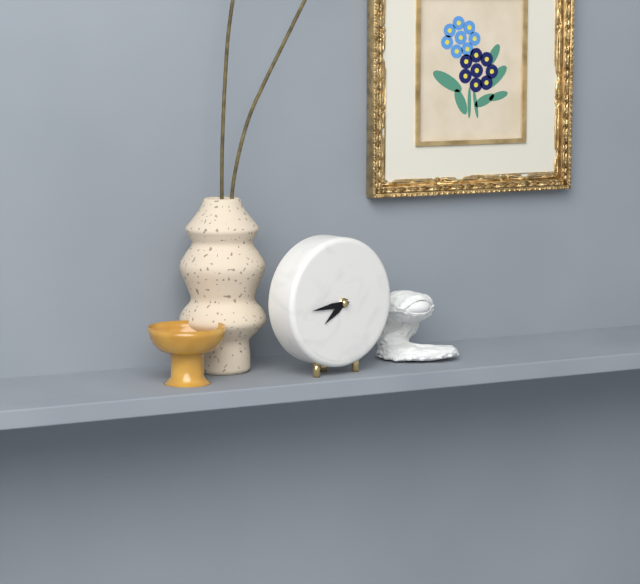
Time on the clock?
7:44
